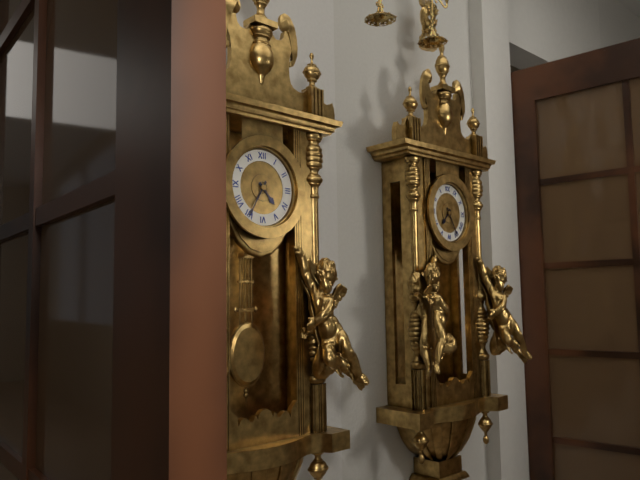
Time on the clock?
4:35
